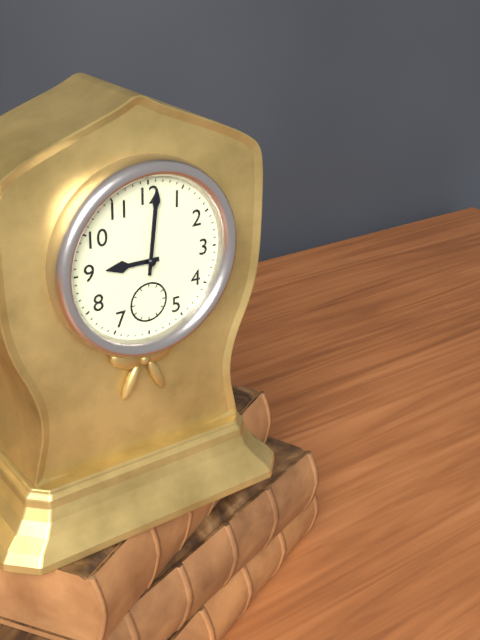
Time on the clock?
9:01
